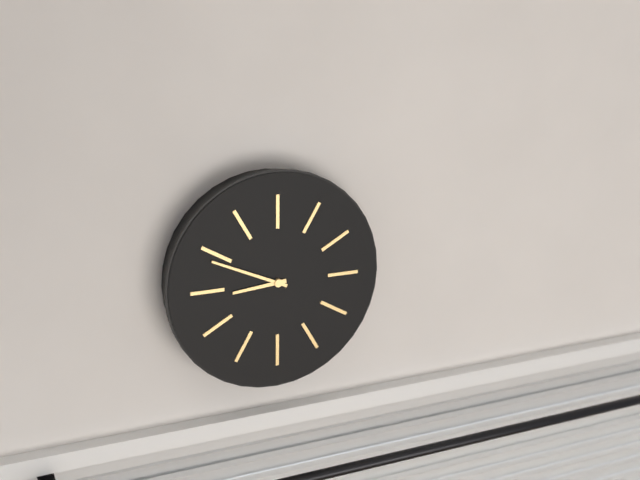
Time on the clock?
8:49
